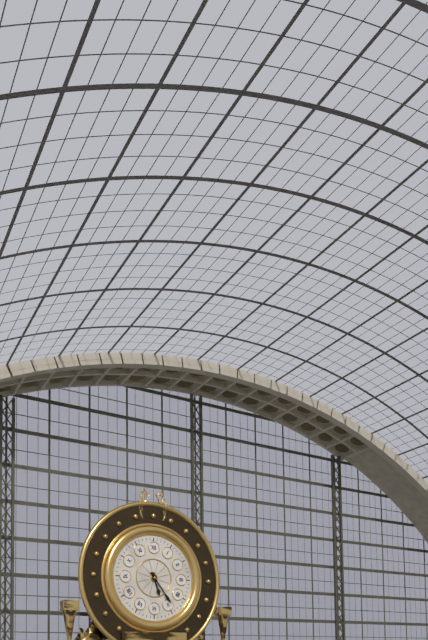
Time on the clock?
5:24
